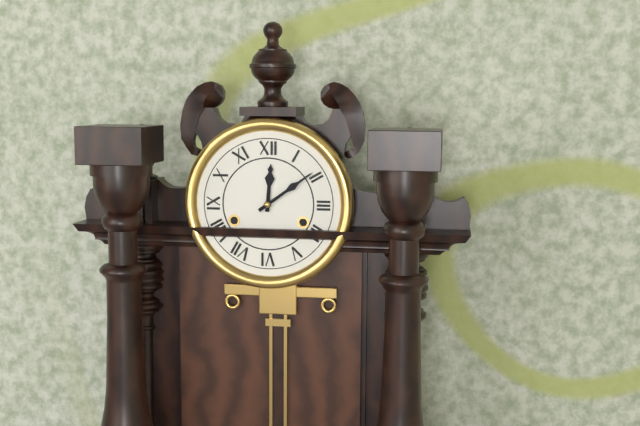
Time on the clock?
12:09
